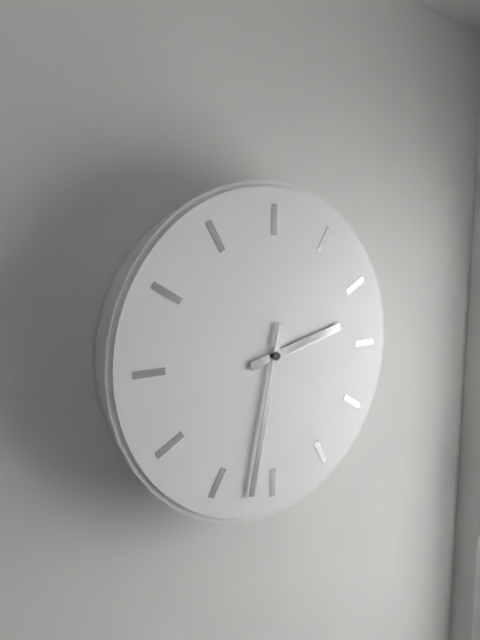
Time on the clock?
2:32
